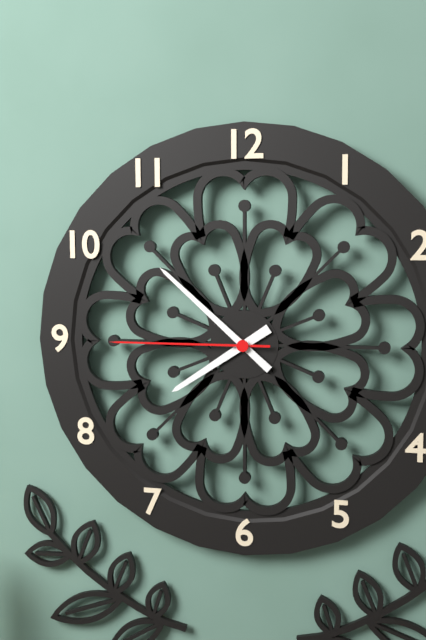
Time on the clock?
7:52:45
